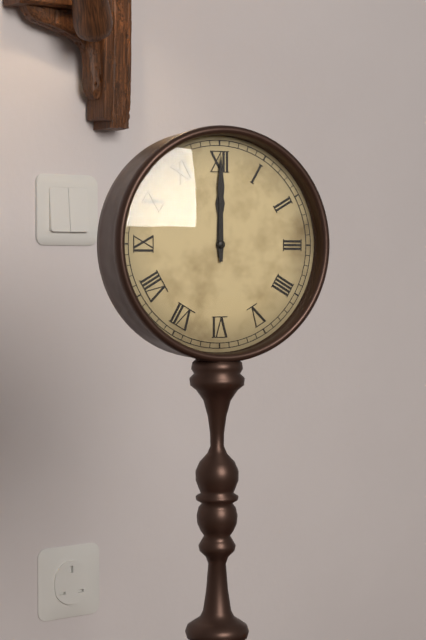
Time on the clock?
12:00
